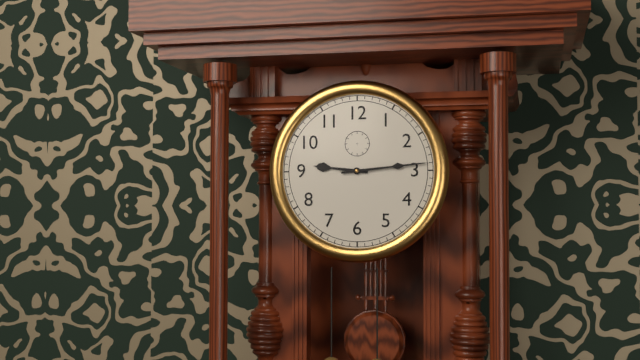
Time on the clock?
9:14
